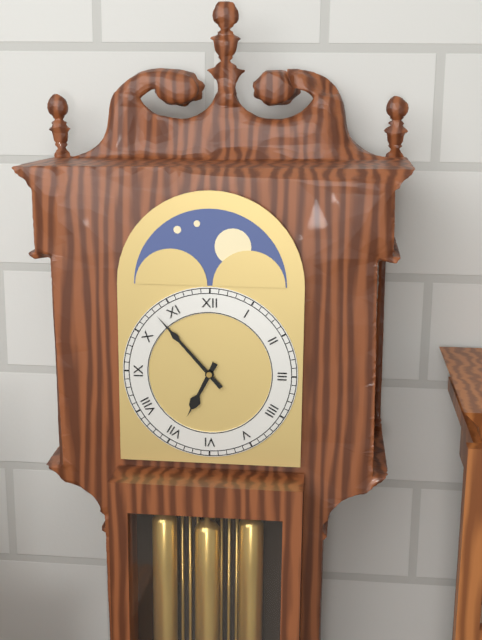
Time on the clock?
6:53
